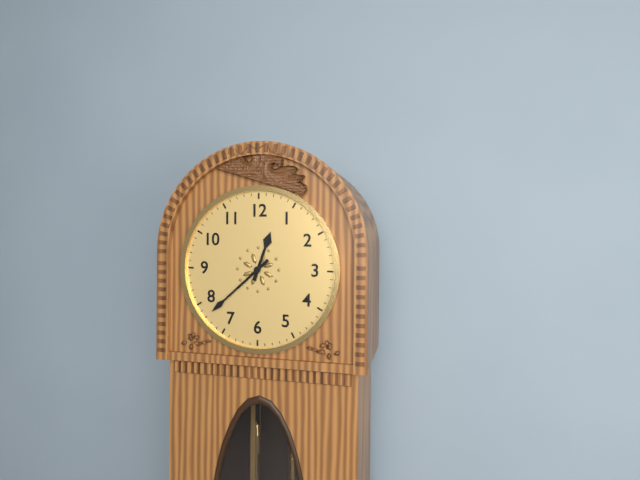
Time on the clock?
12:38
